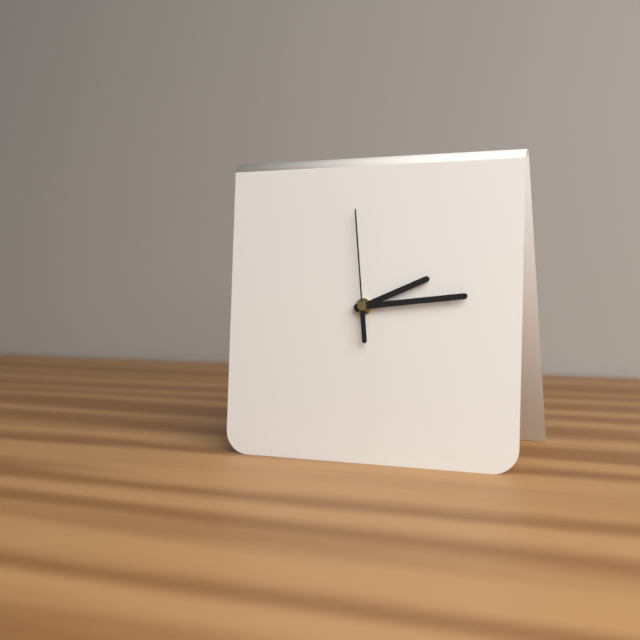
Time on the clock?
2:14:59
